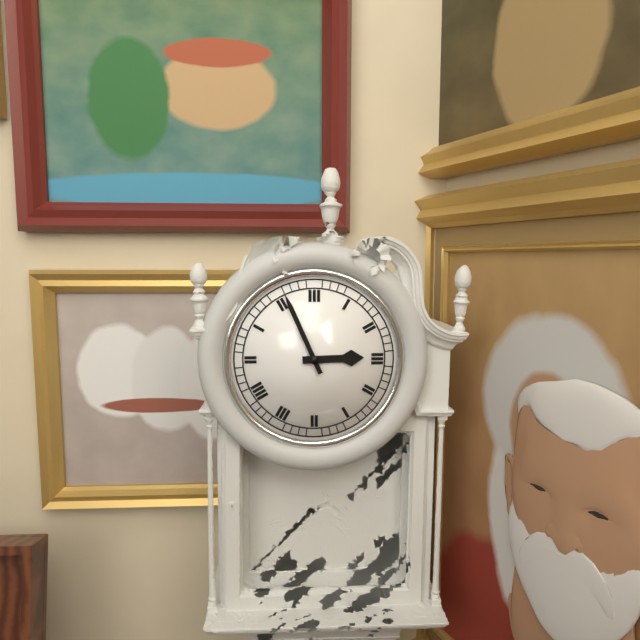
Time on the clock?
2:56
